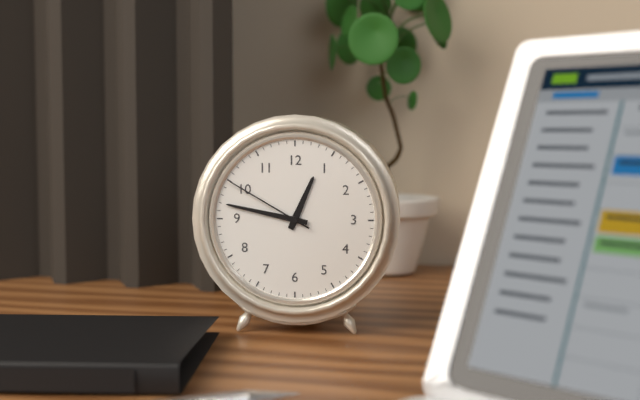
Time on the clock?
12:47:50
